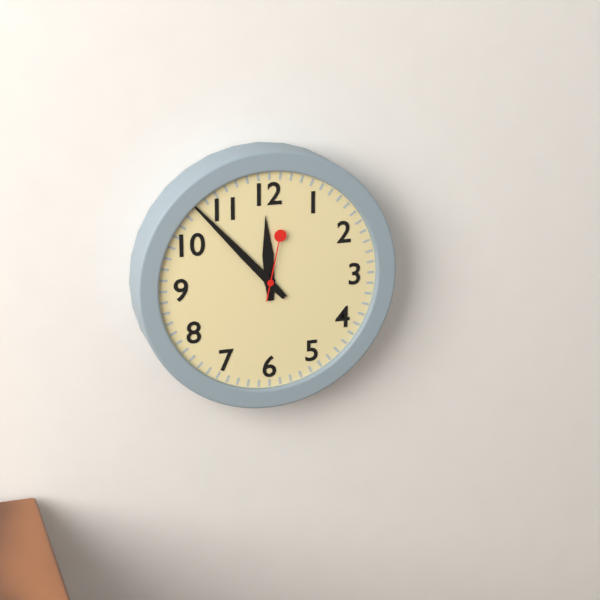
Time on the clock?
11:53:02
